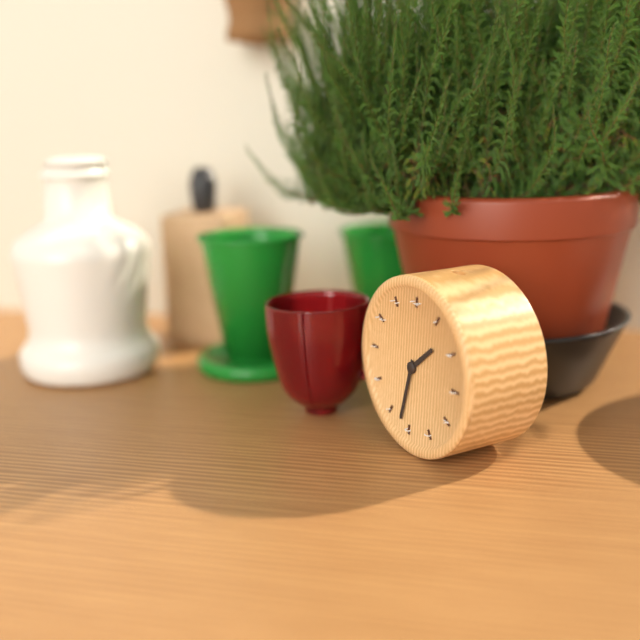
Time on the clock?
1:32
